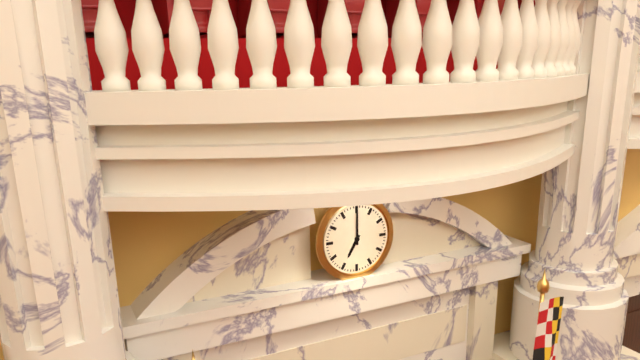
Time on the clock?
7:00
